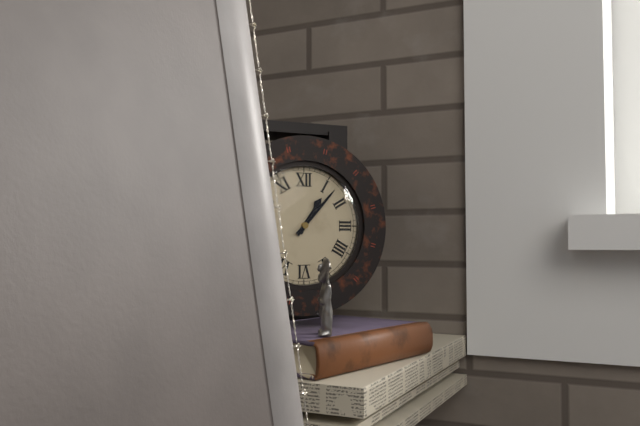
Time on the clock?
1:07
